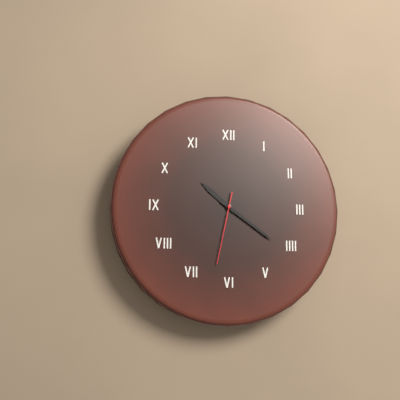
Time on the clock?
10:21:32
